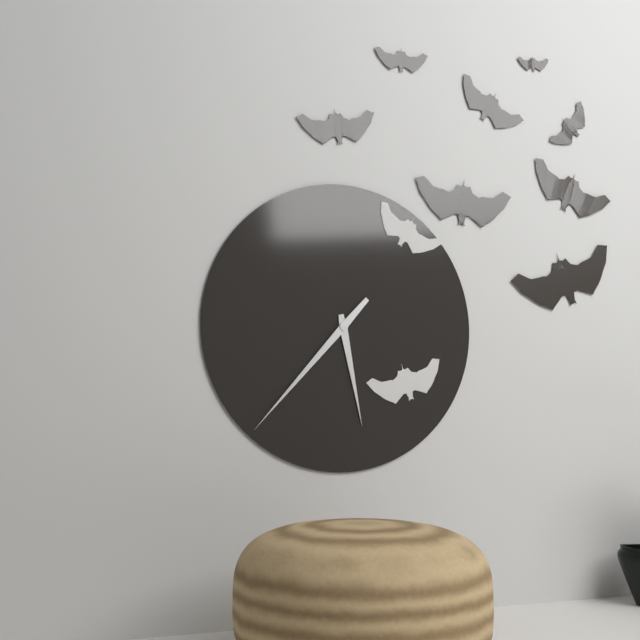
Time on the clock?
5:37
